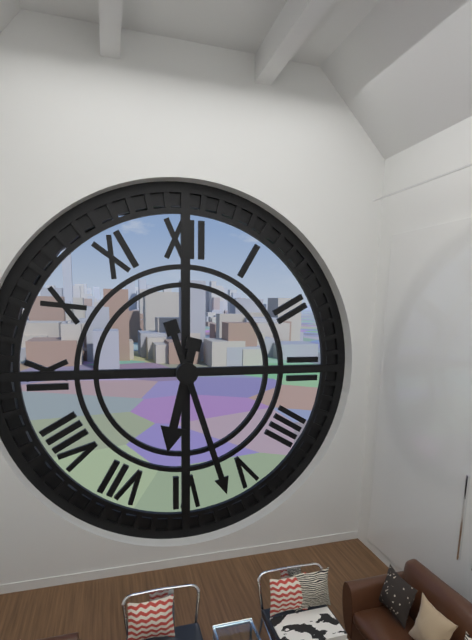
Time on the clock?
6:27
